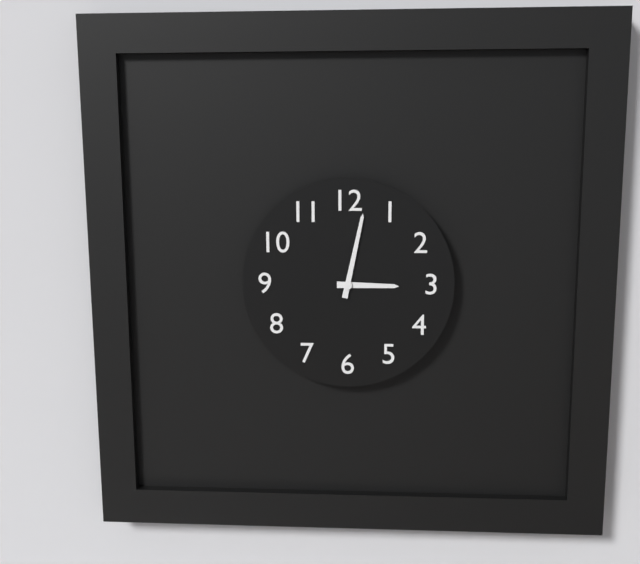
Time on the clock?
3:02
